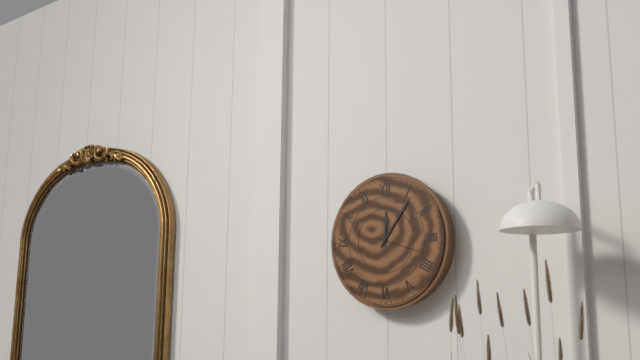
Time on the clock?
12:06:18
